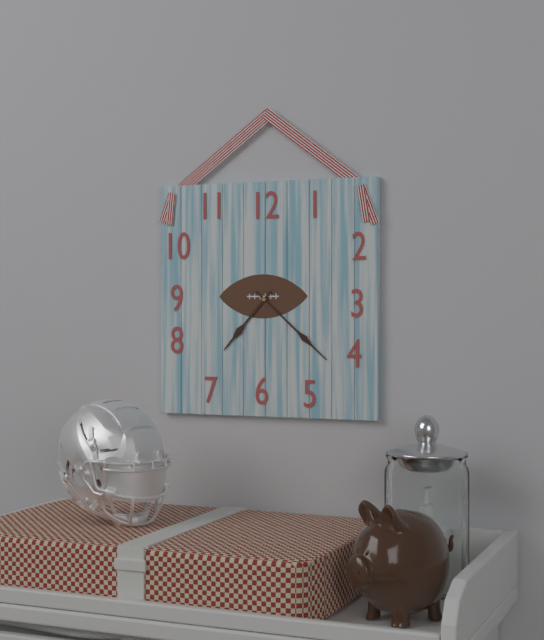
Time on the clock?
7:22
